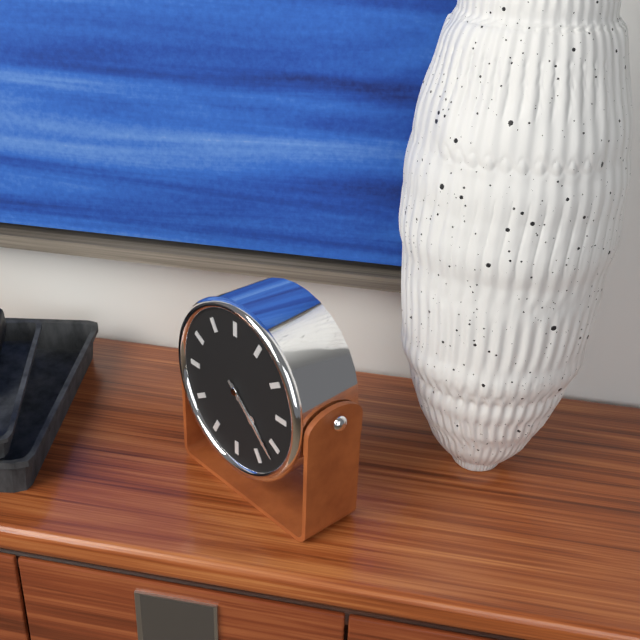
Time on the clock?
4:22
